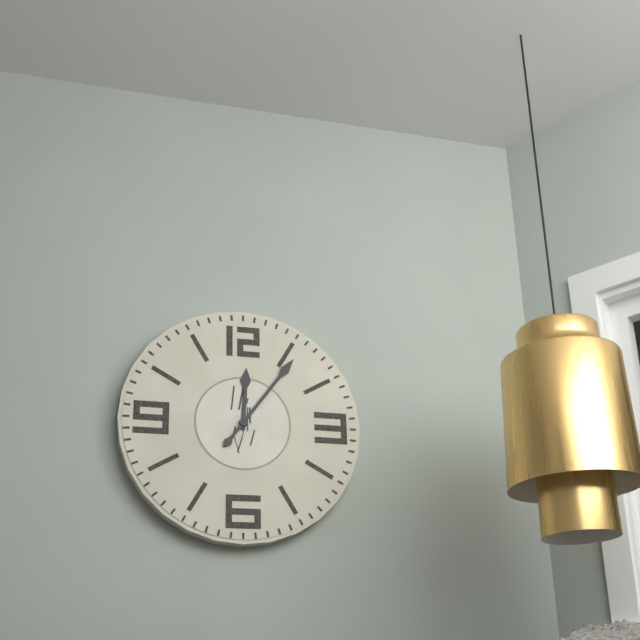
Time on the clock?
12:06
